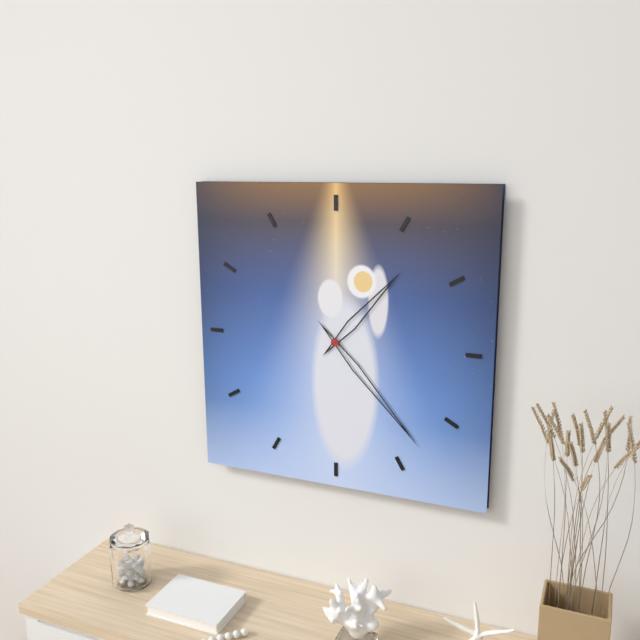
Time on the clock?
1:23
